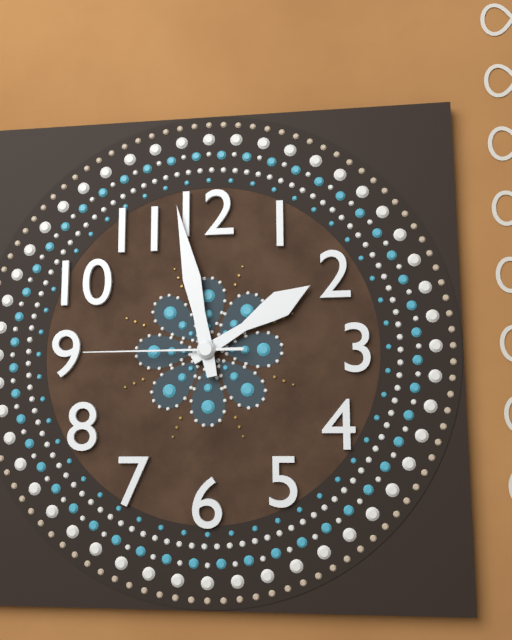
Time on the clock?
1:58:45
